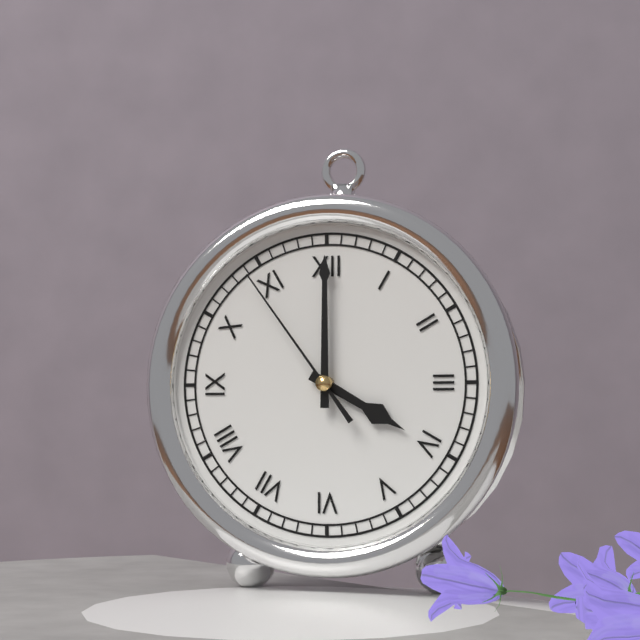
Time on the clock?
4:00:54
